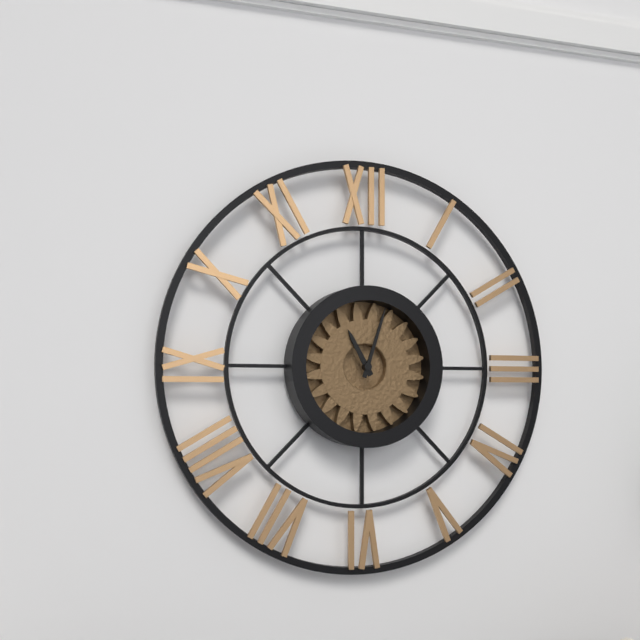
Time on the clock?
11:03
